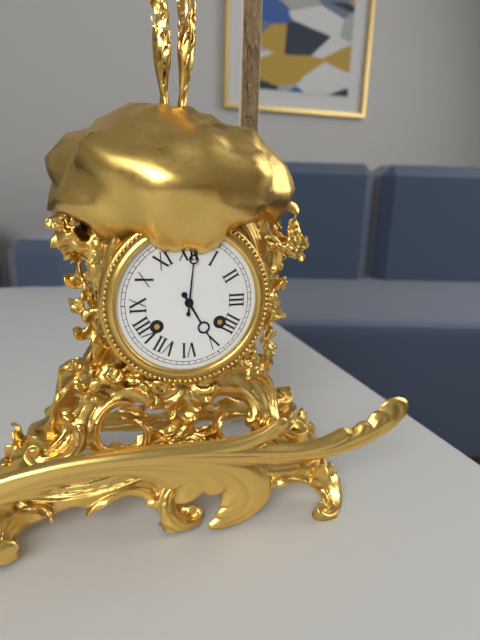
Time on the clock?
5:01
